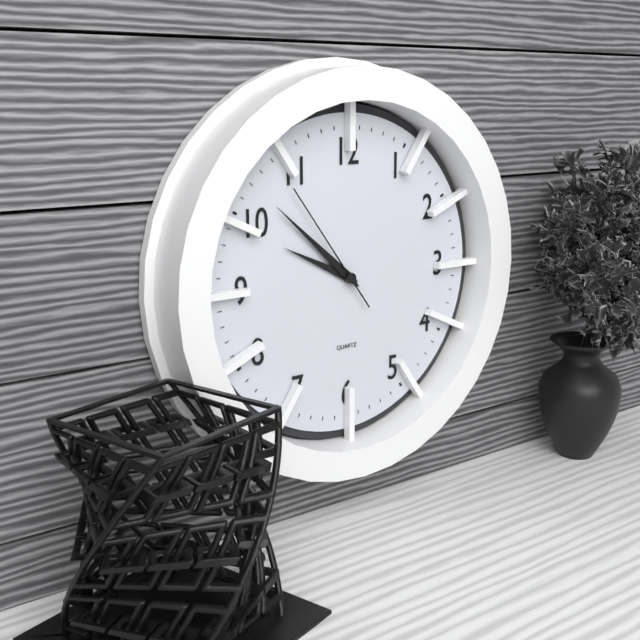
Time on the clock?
9:52:54
